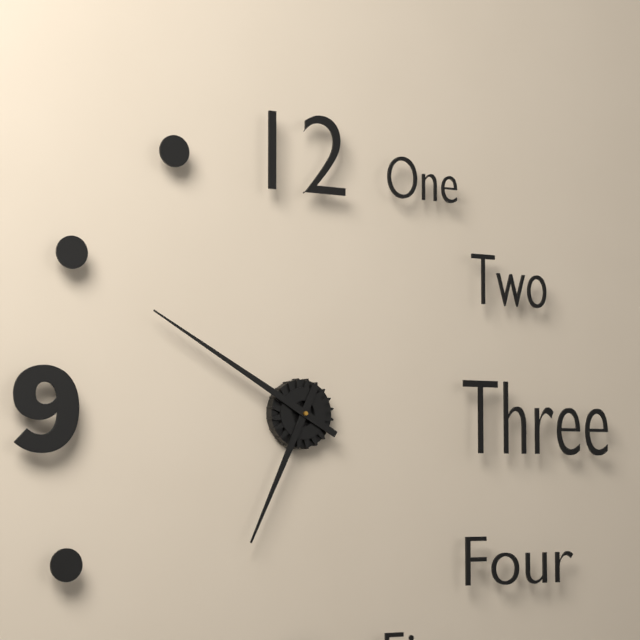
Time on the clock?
6:50
